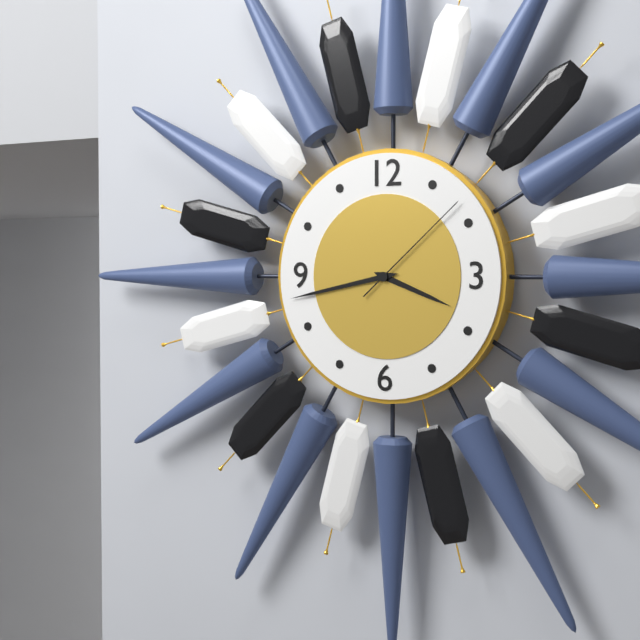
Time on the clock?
3:43:08
